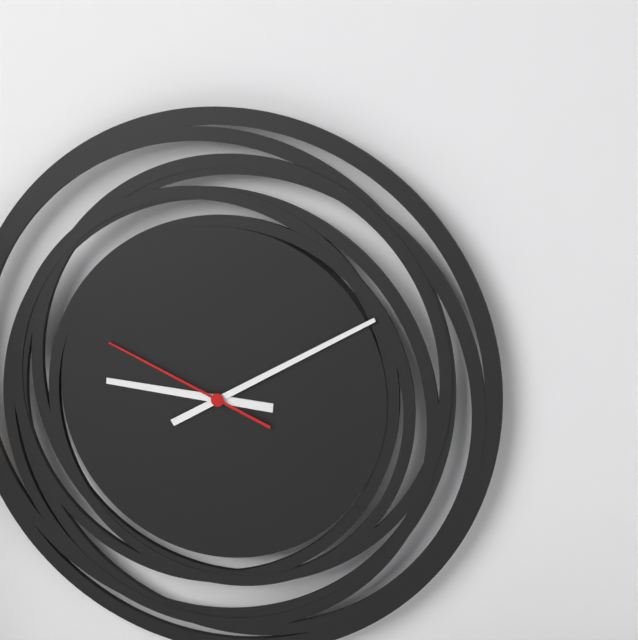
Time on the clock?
9:10:49
